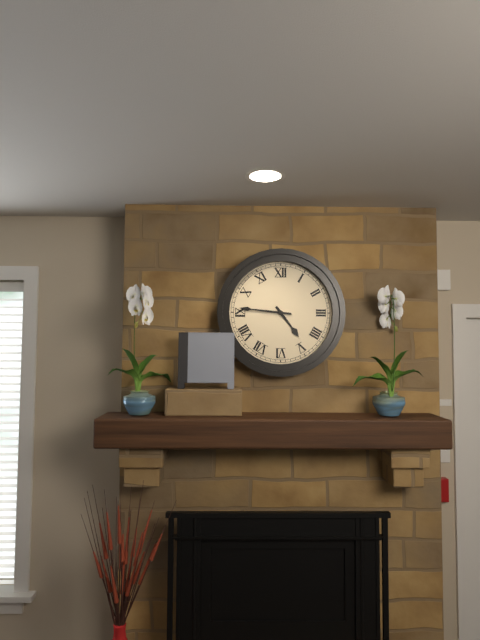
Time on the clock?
4:46
